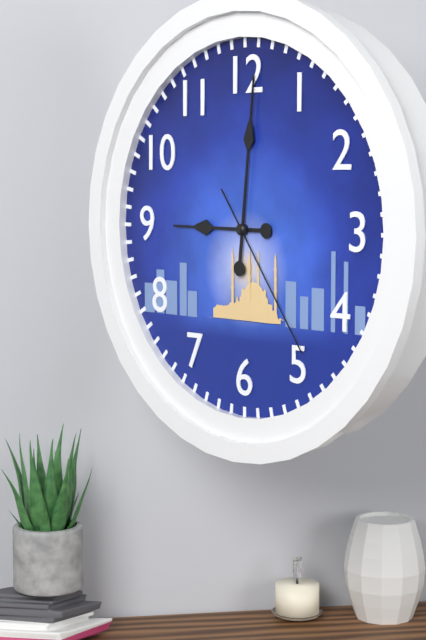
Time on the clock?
9:01:24
